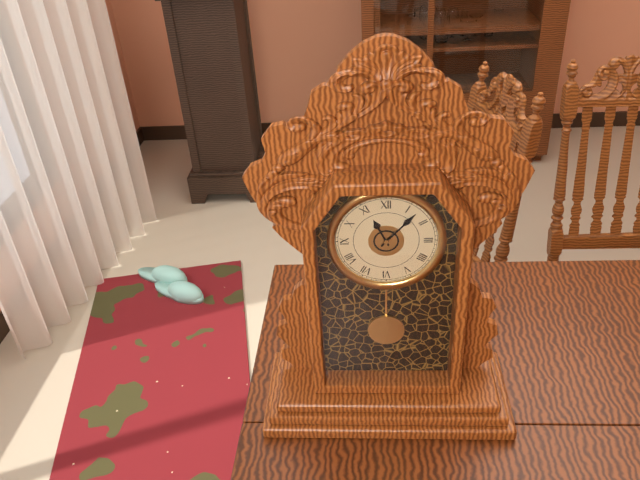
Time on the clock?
11:07
